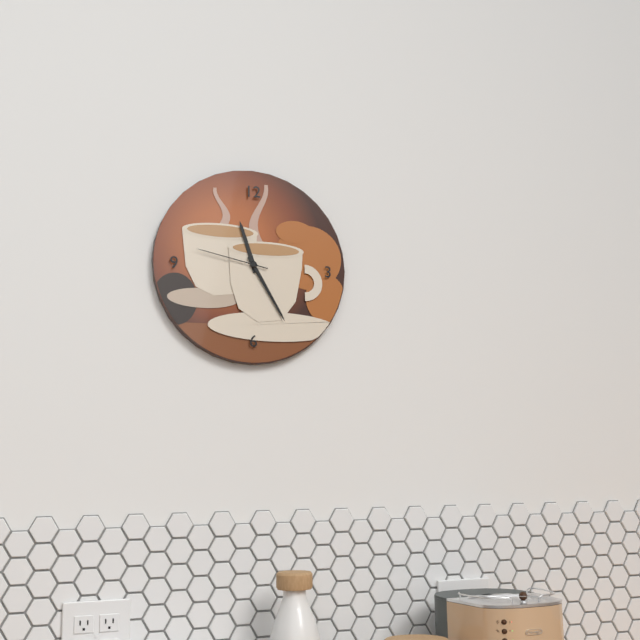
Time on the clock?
11:25:47
